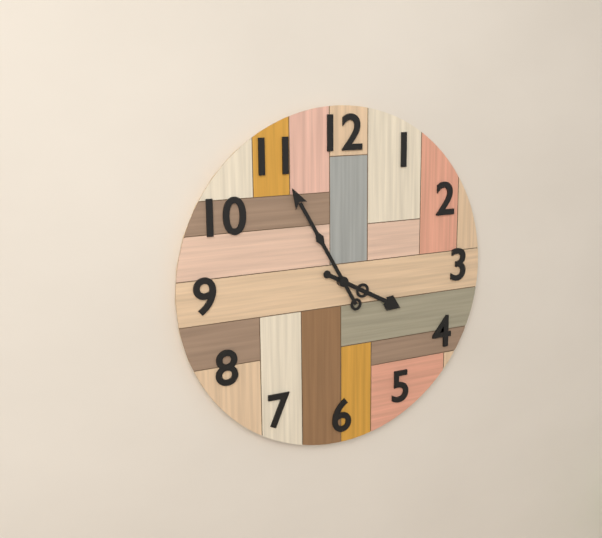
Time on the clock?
3:55
